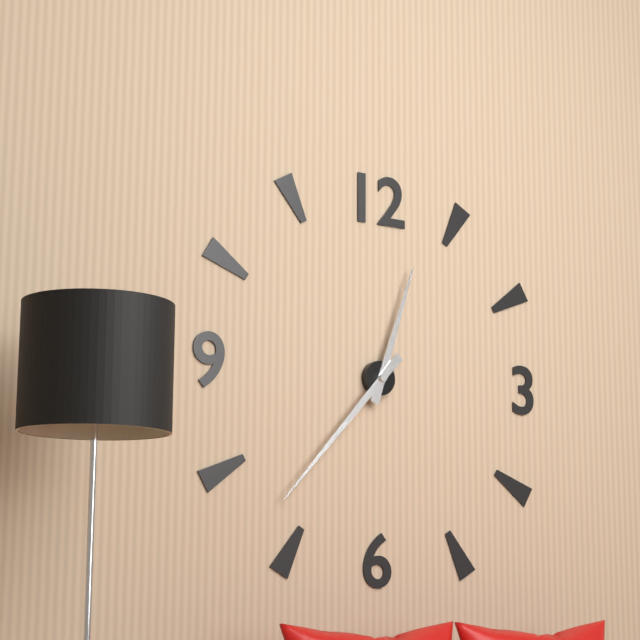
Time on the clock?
12:37
